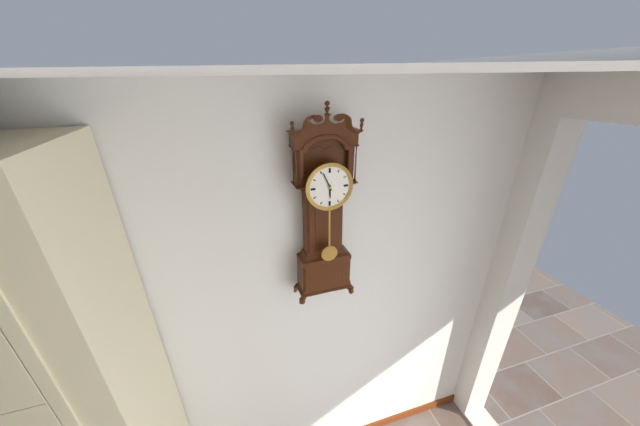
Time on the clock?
5:56
